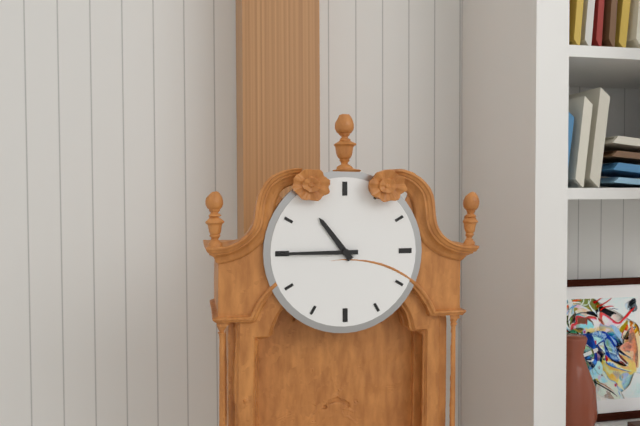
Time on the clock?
10:45
